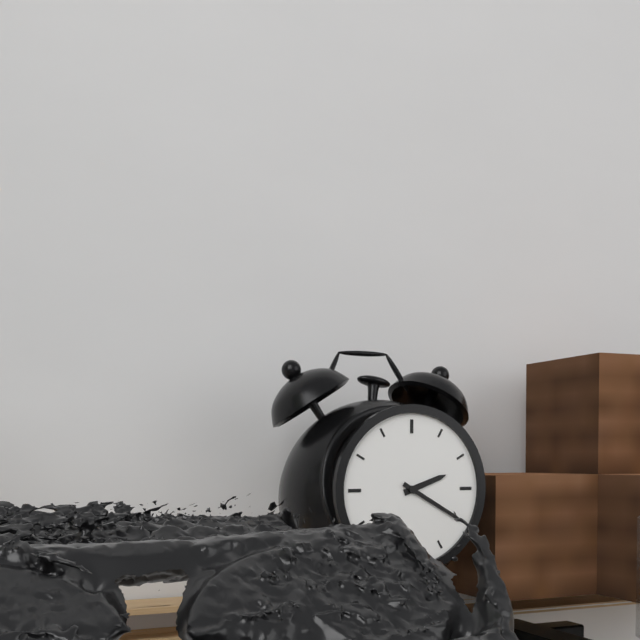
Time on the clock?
2:20
